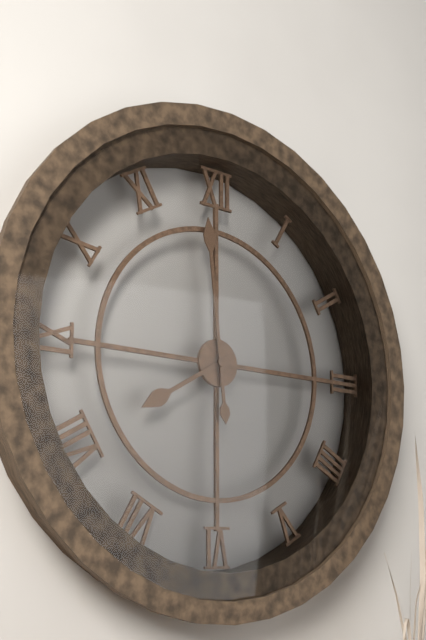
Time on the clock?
7:59
